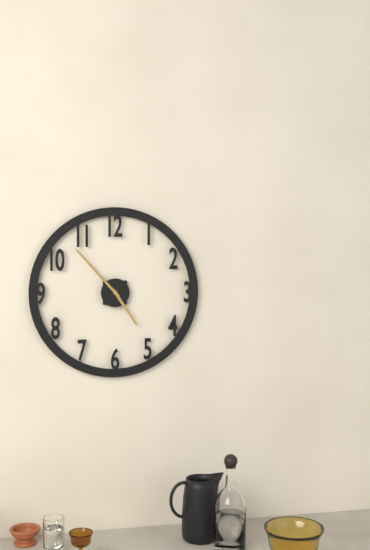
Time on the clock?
4:53
